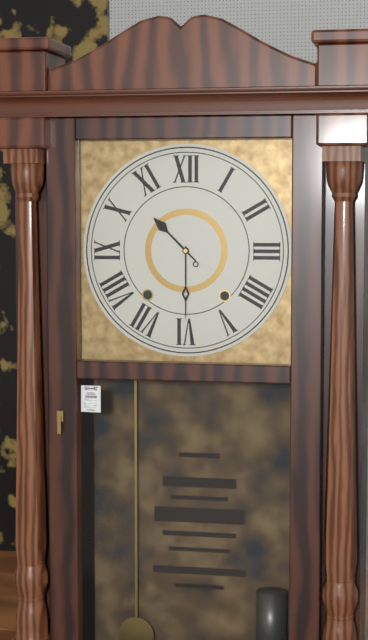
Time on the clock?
10:30
